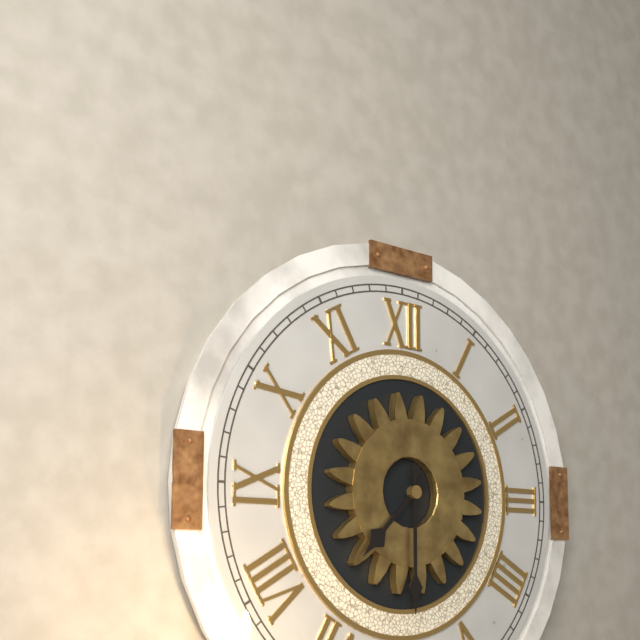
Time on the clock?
7:30
